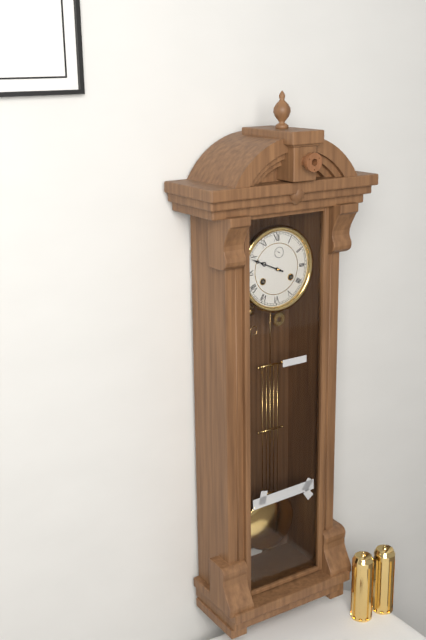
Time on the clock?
9:49
